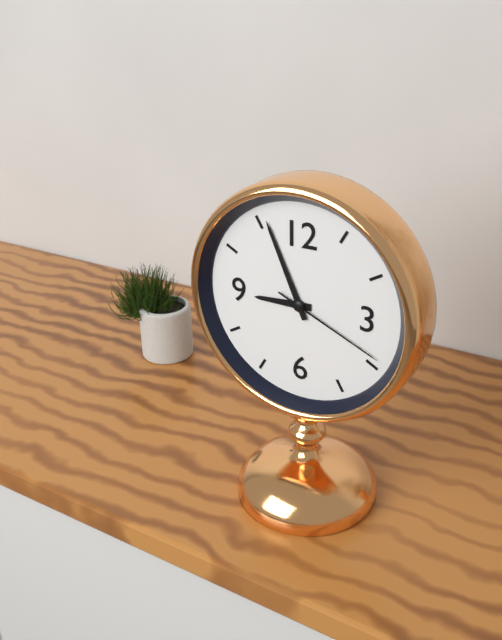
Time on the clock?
8:56:19
